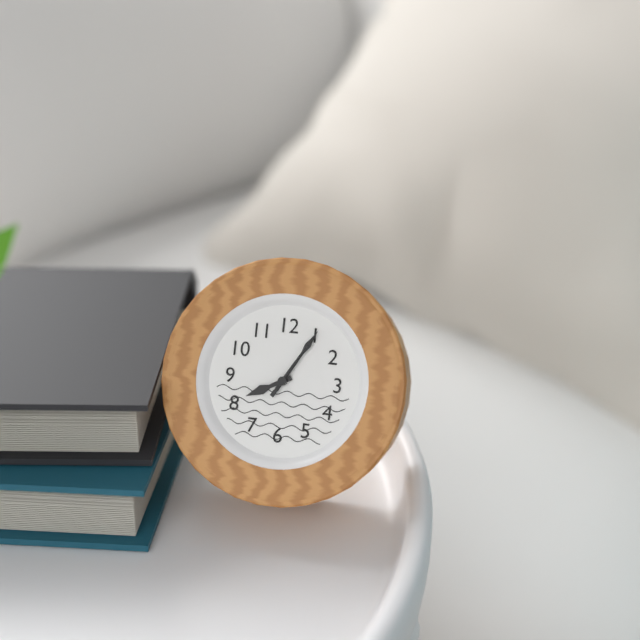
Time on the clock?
8:05:05
